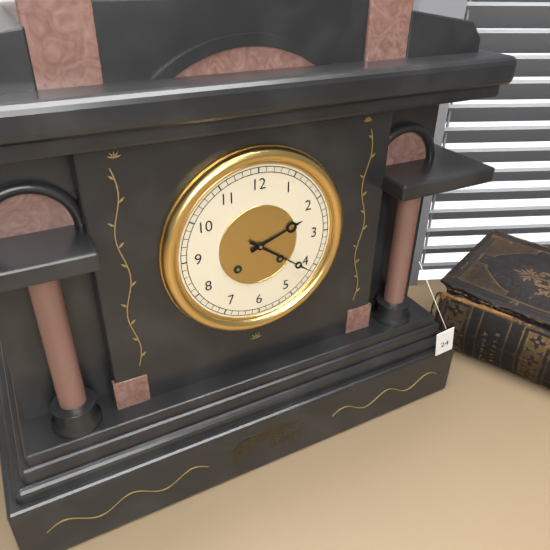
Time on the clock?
2:21
